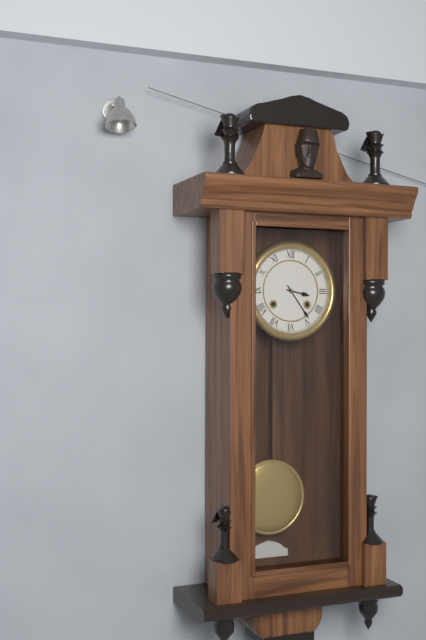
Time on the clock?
3:24
